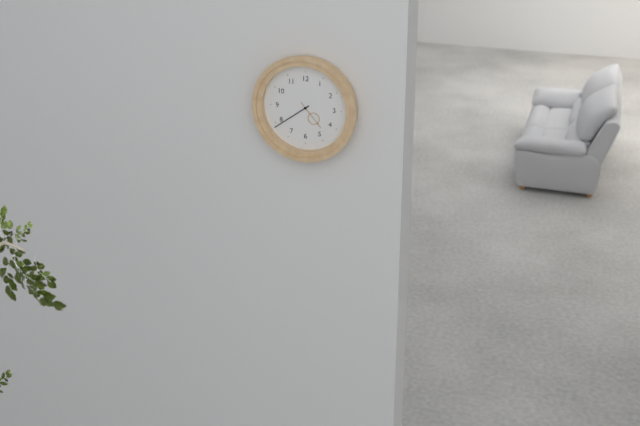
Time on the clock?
4:39
